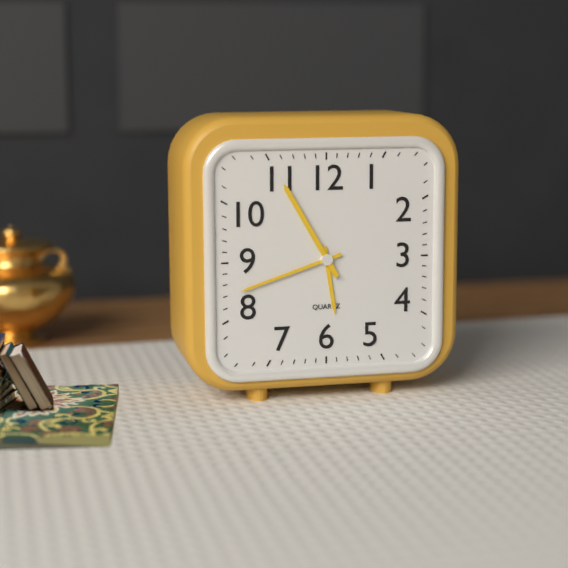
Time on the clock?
5:42:55
